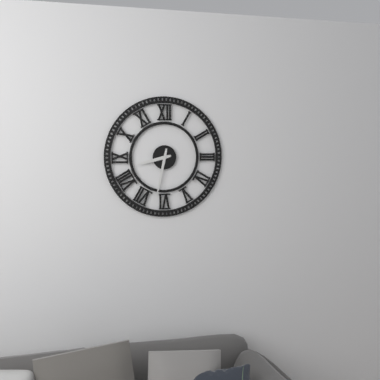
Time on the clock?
8:32
